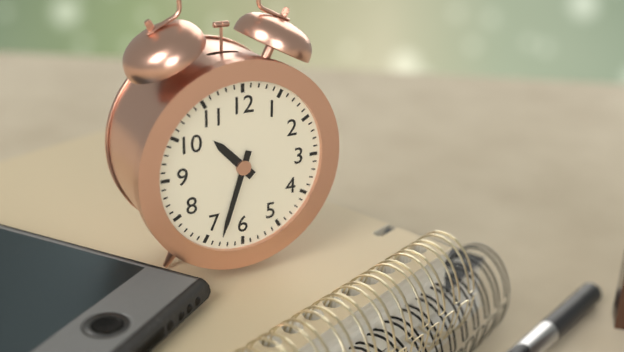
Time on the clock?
10:33
